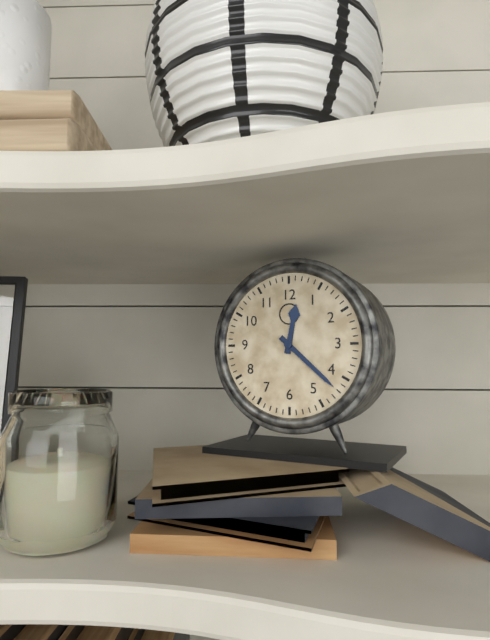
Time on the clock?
12:22
